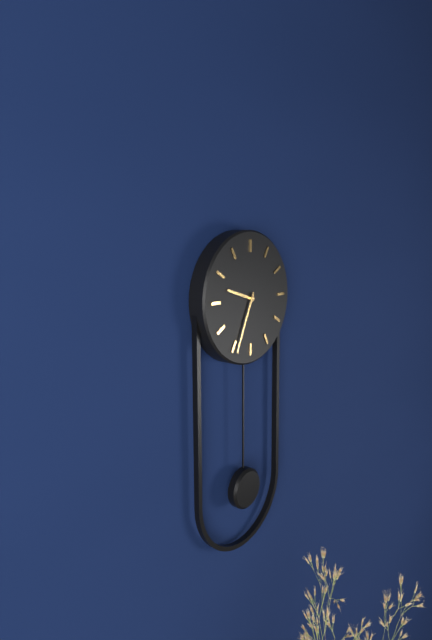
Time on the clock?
9:34
